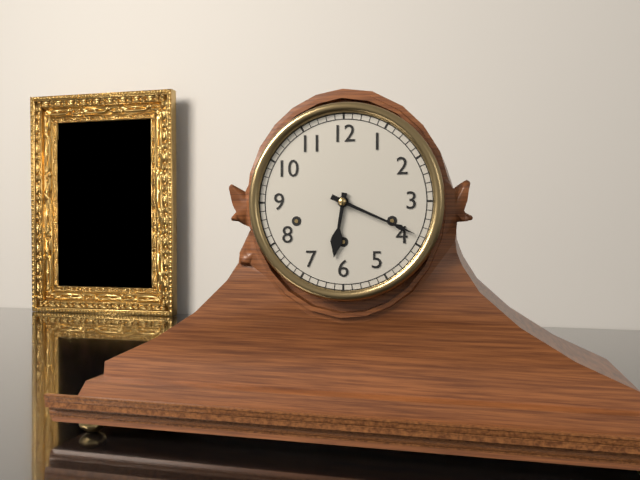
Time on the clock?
6:19
